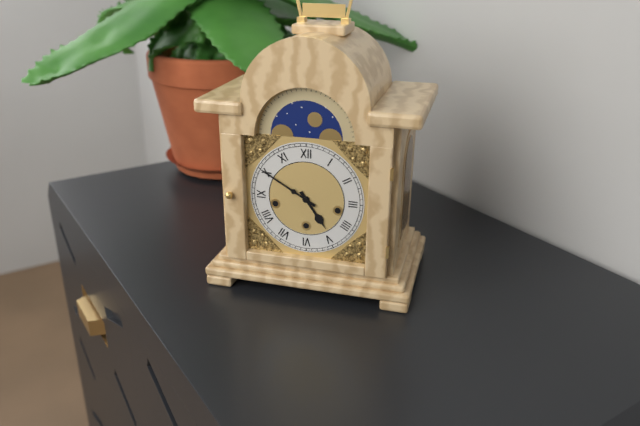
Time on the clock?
4:50
